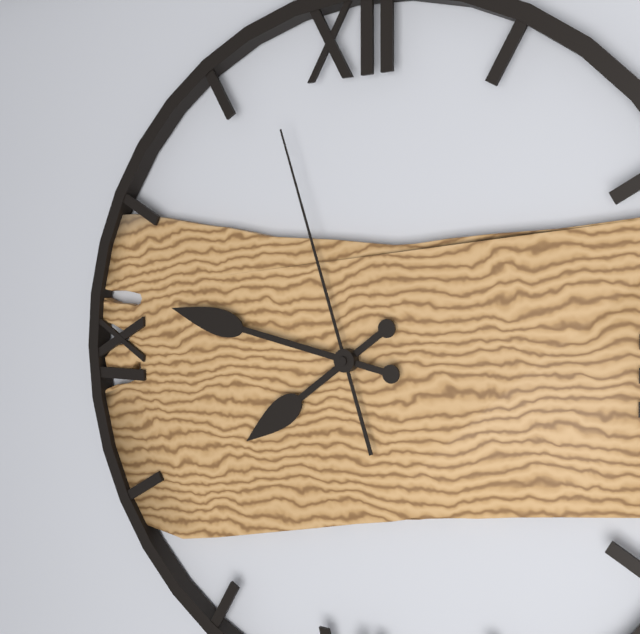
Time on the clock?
7:47:57
